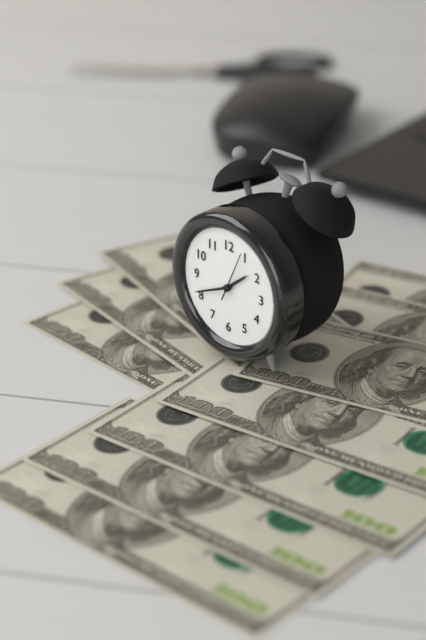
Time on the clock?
1:41
